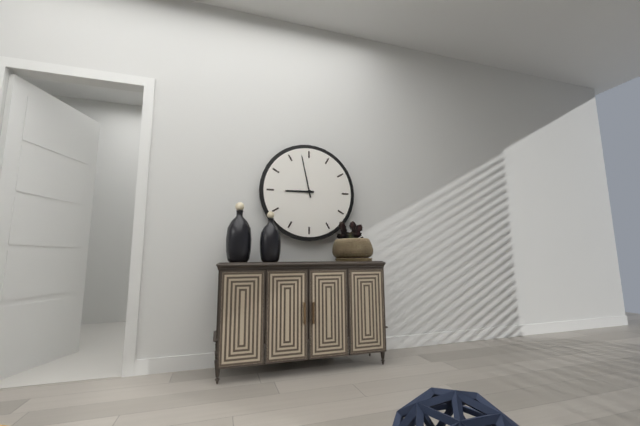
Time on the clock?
8:58
